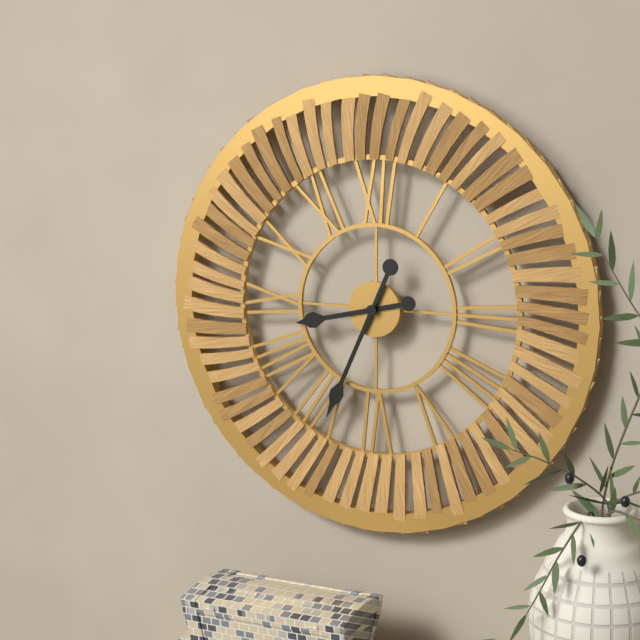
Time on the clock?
8:34
